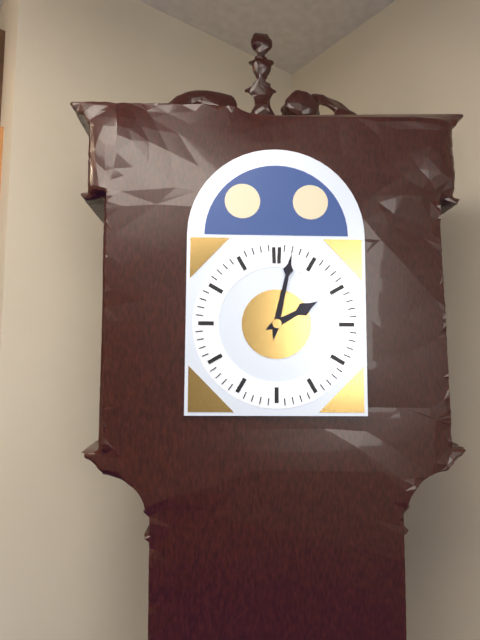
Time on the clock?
2:02
